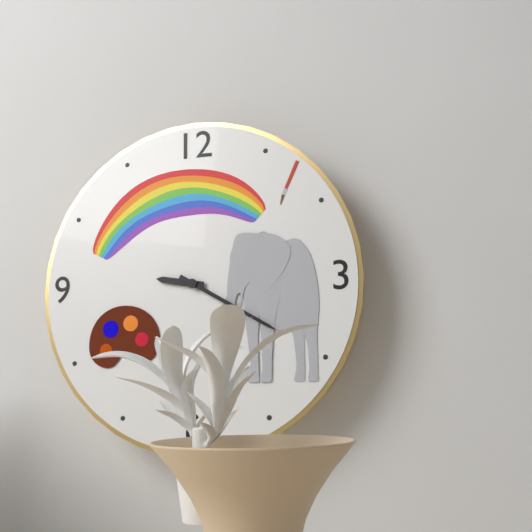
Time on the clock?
9:20
